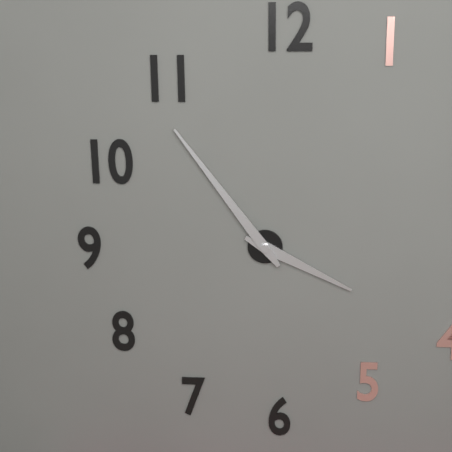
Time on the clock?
3:54
